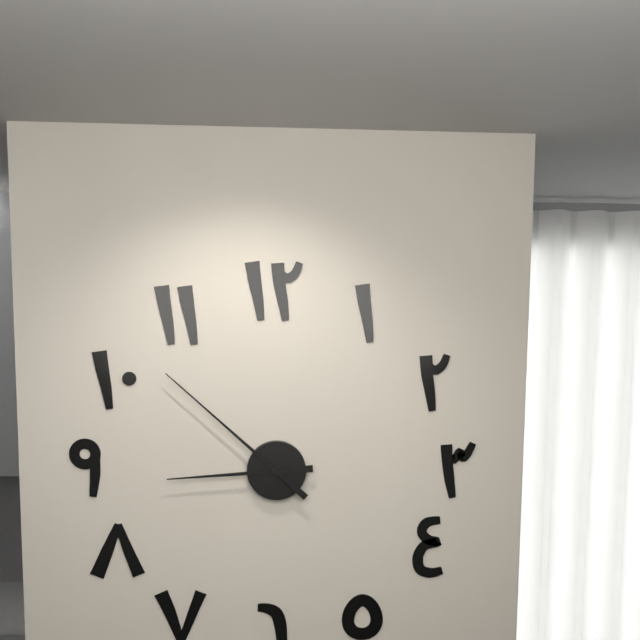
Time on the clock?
8:52
